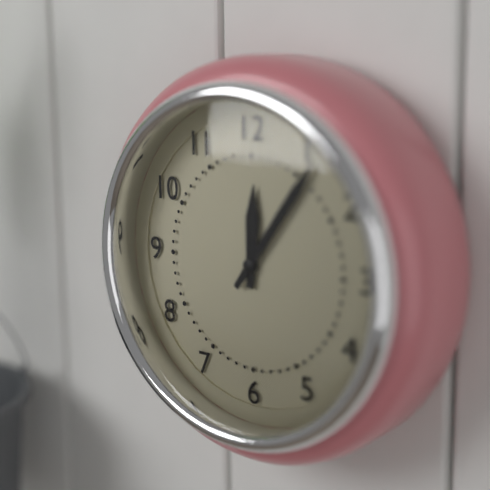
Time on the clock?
12:06
